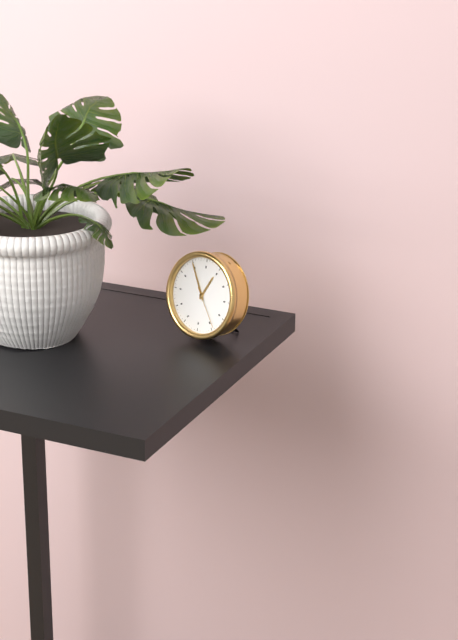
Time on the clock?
12:55
